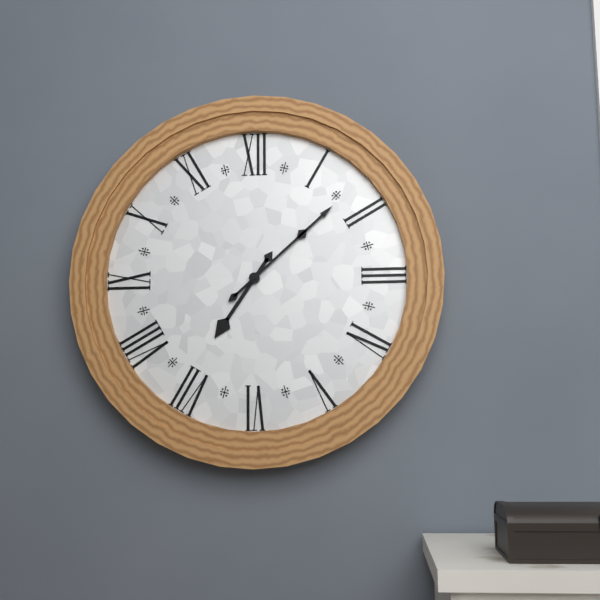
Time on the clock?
7:08
